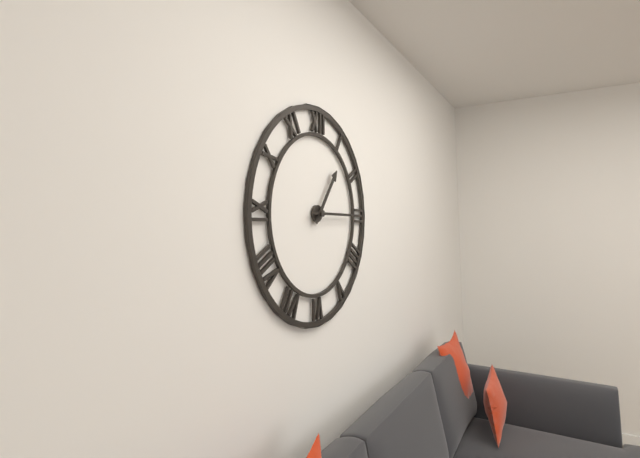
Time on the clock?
1:15
